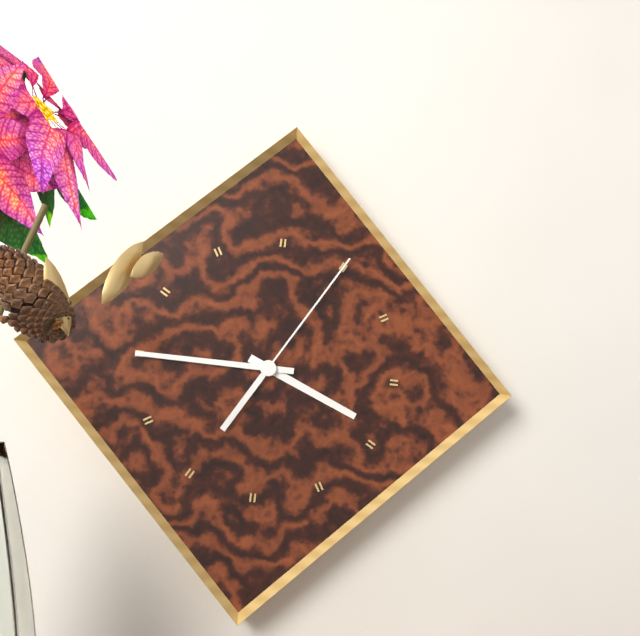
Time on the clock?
3:45:05
